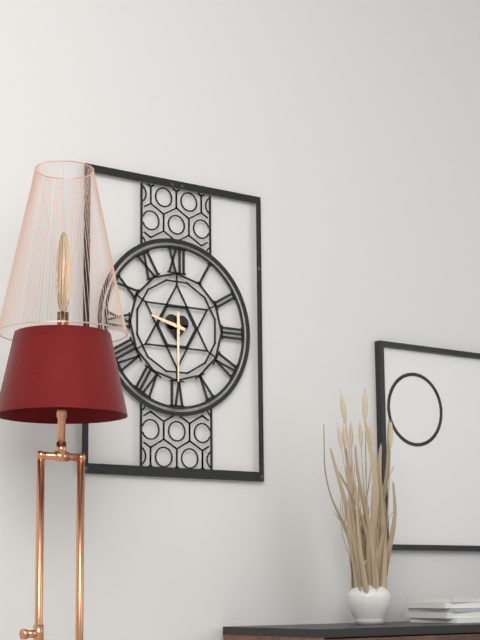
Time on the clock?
9:30
